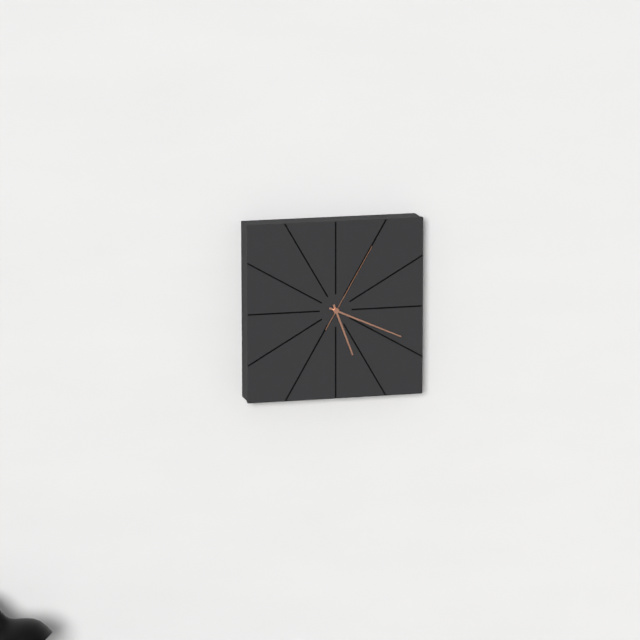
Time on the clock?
5:19:05
